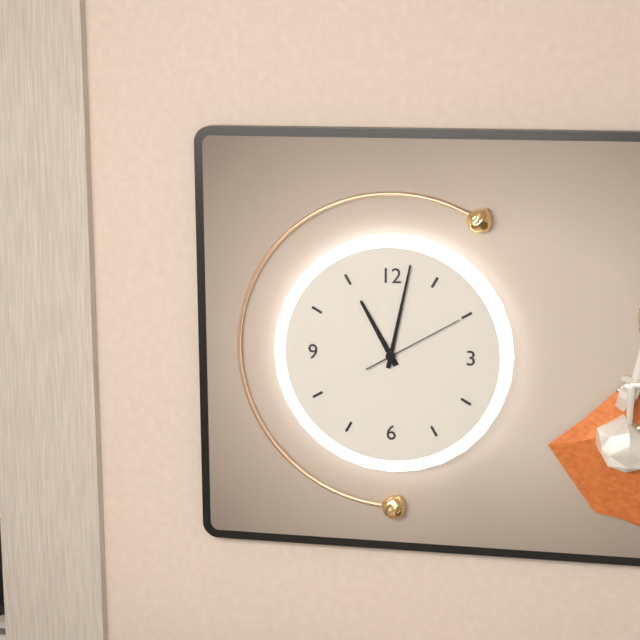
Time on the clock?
11:02:10
